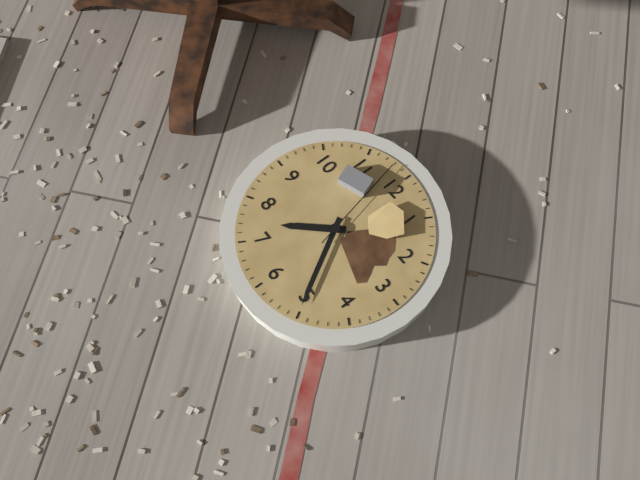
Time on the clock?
7:25:58
